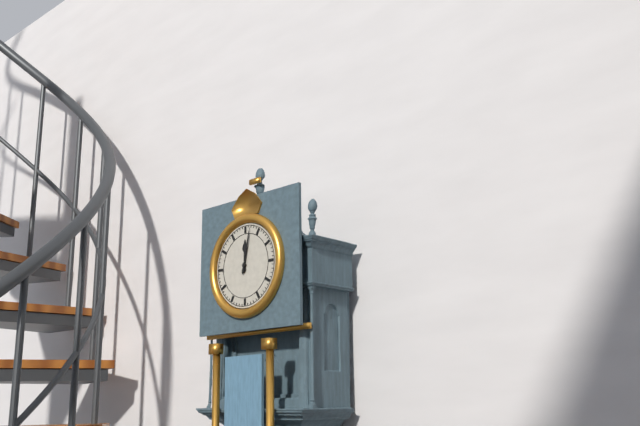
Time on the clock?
12:02
